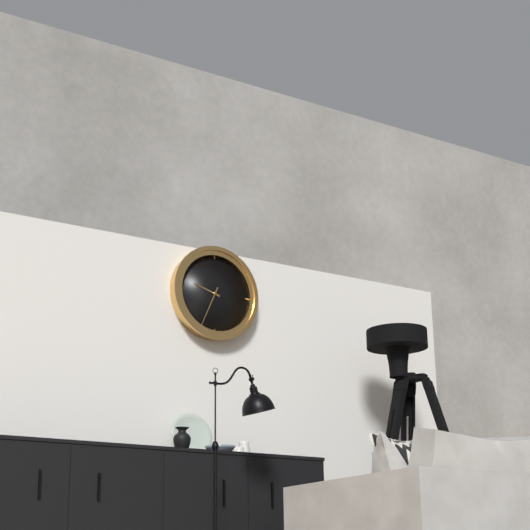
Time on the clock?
9:34
